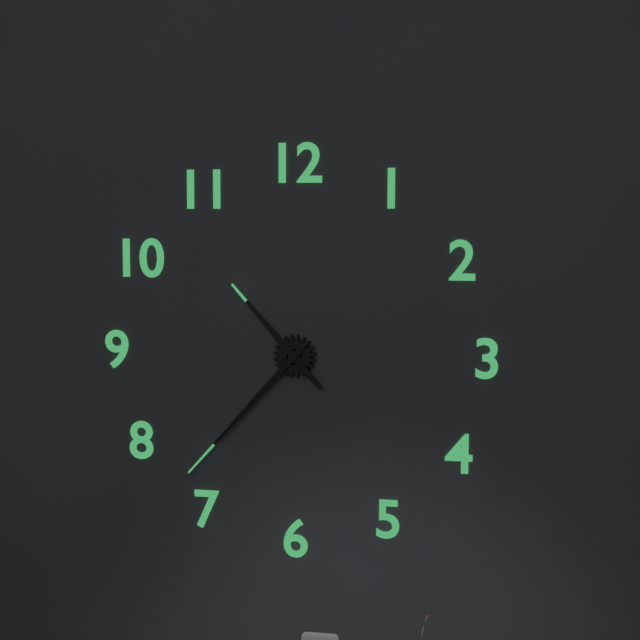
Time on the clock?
10:37
